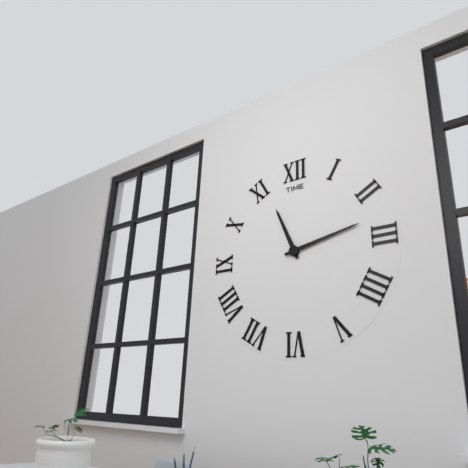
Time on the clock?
11:13
